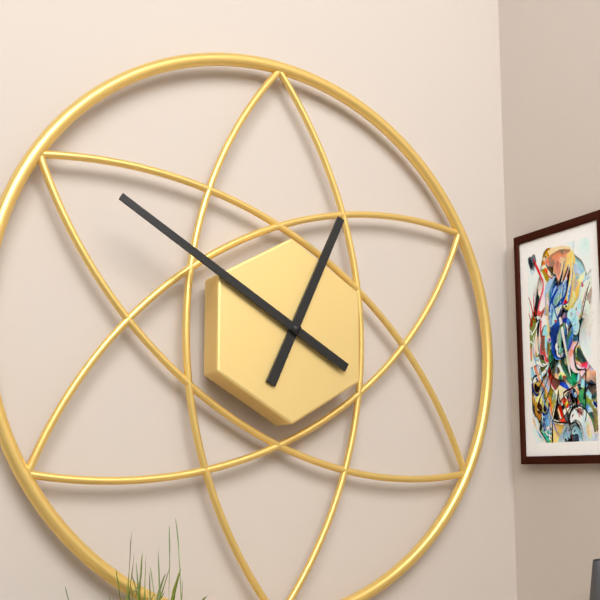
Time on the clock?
12:50
